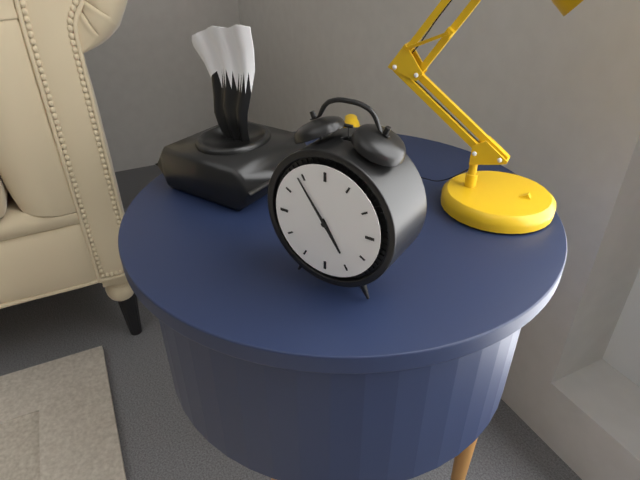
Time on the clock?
4:54
